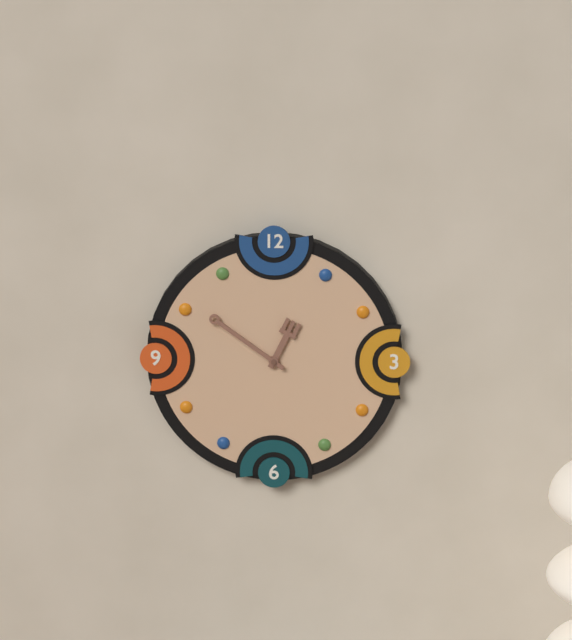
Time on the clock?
12:51
